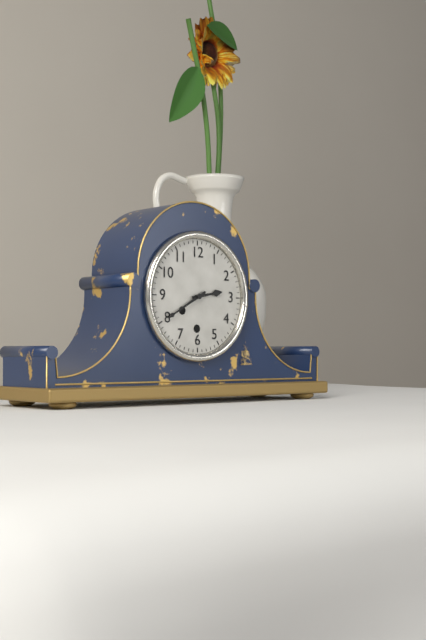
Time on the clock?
2:40
